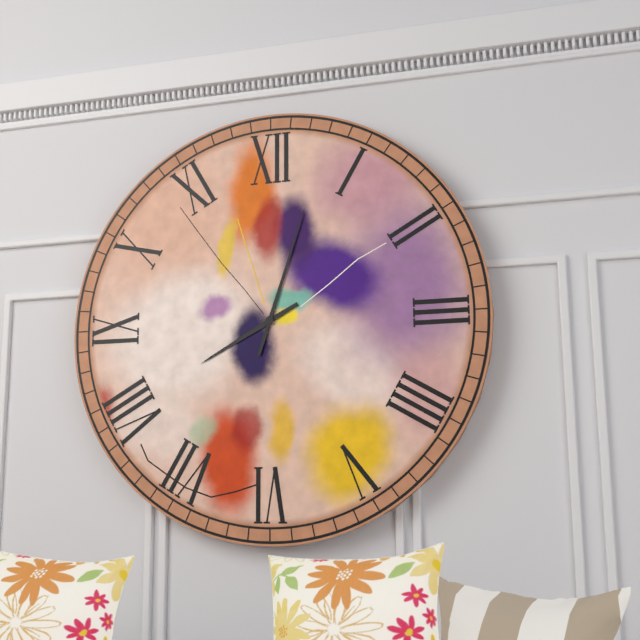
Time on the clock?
8:03
